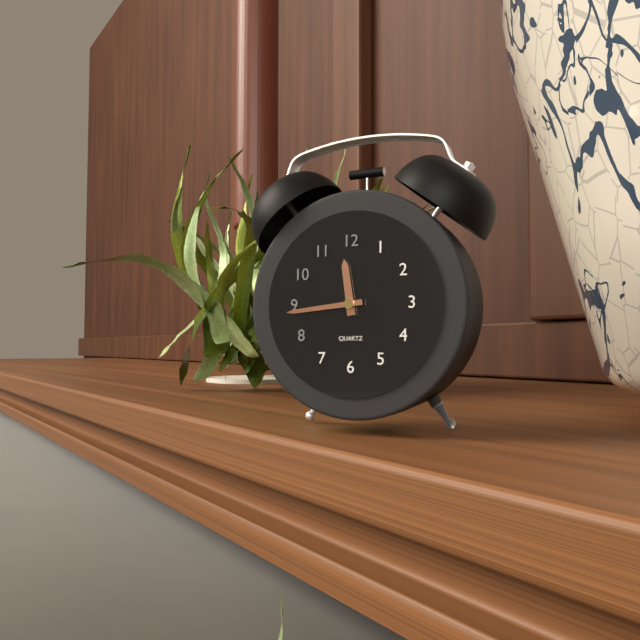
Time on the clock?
11:44
